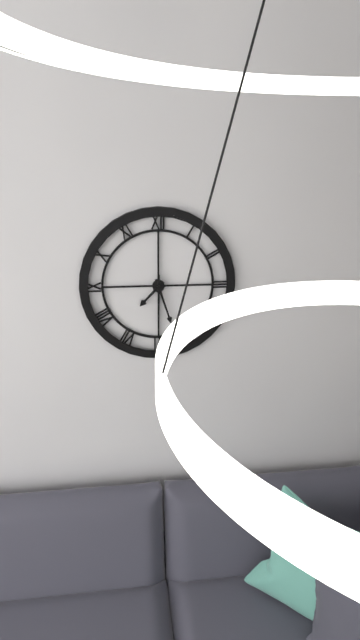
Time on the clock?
7:27:30
